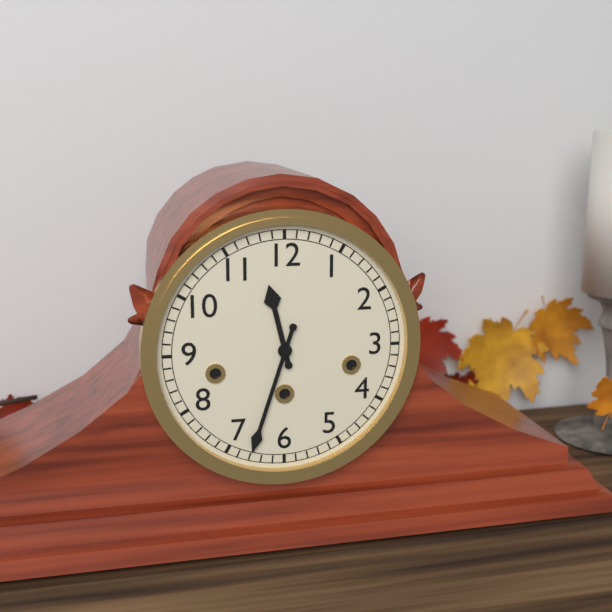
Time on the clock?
11:33
